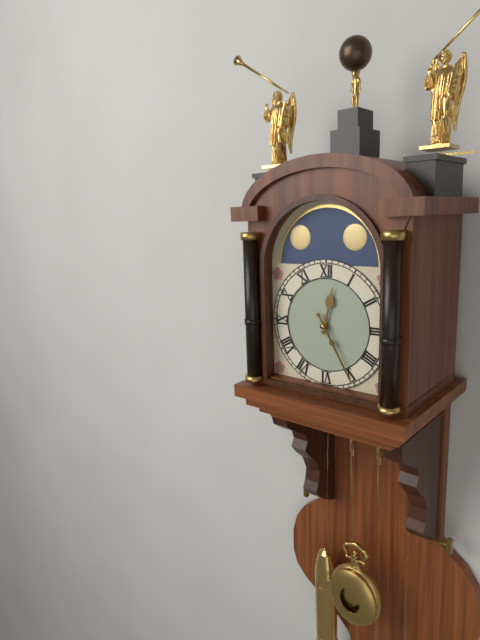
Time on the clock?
12:25
